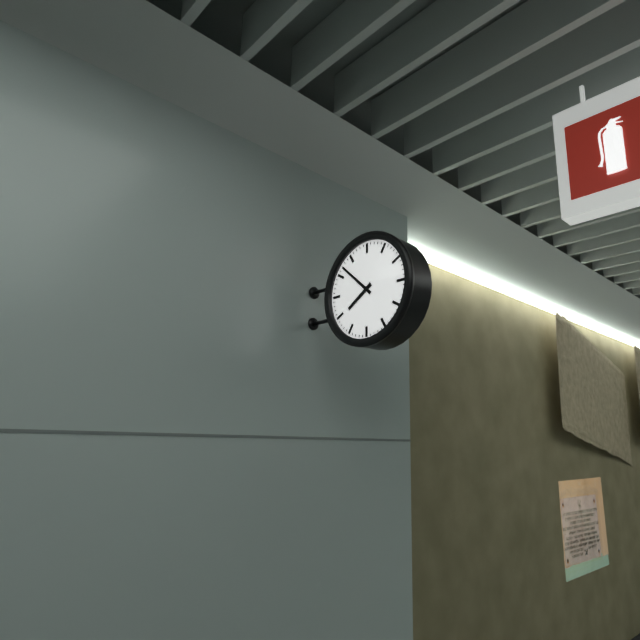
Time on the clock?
7:52
